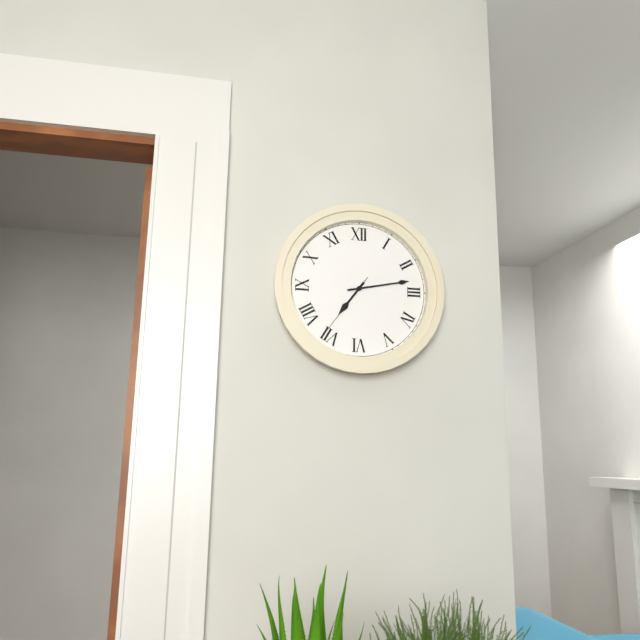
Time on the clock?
7:13:36
